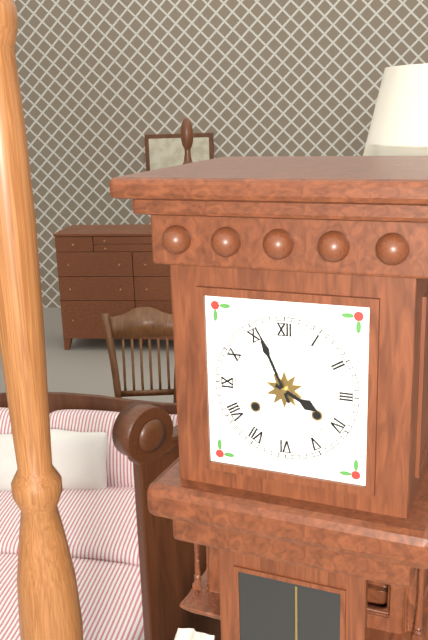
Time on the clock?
3:56
